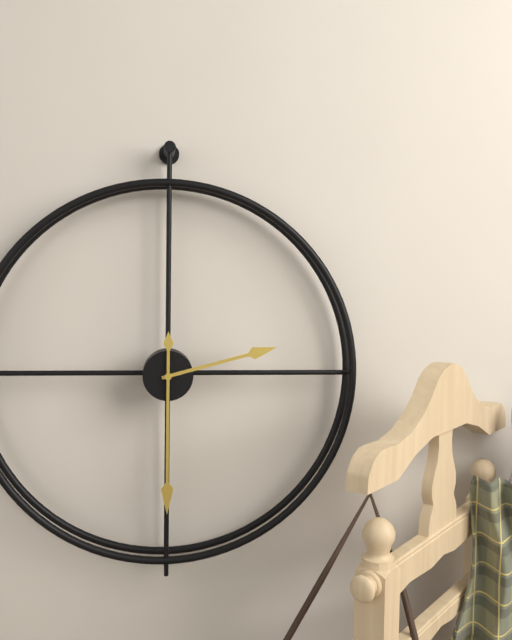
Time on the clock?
2:30
